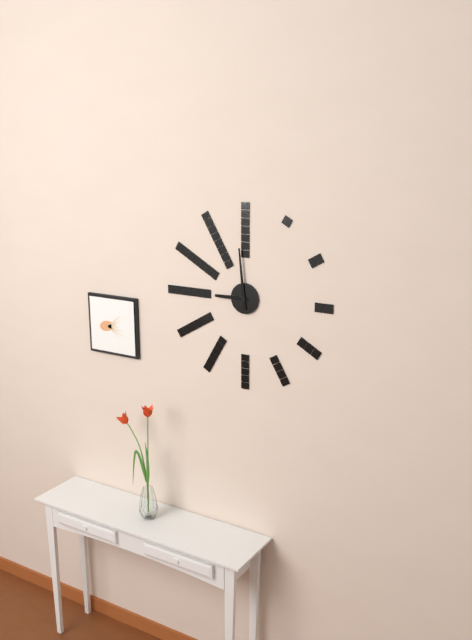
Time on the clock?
8:59
